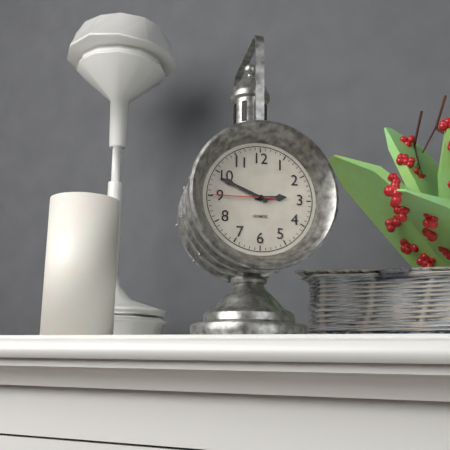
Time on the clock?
2:49:45
